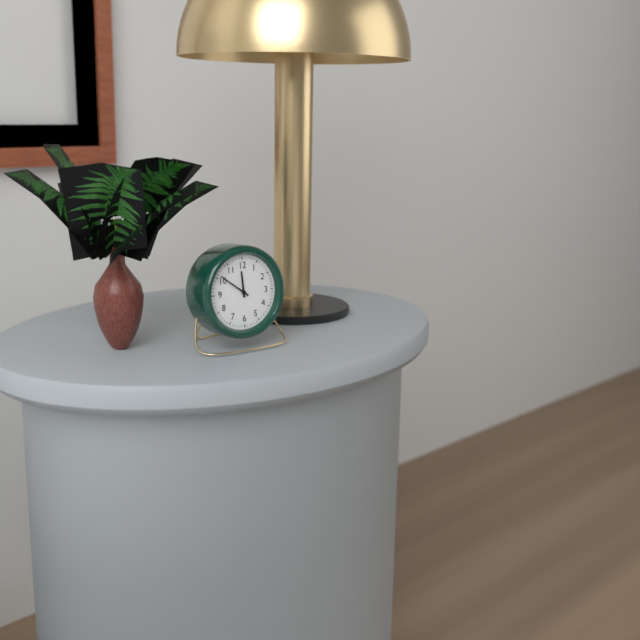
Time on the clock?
11:51
